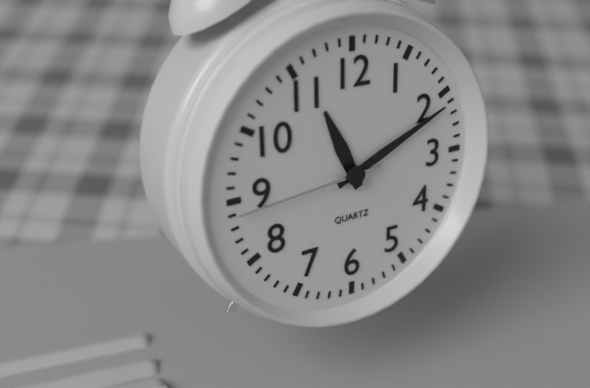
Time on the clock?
11:11:44
